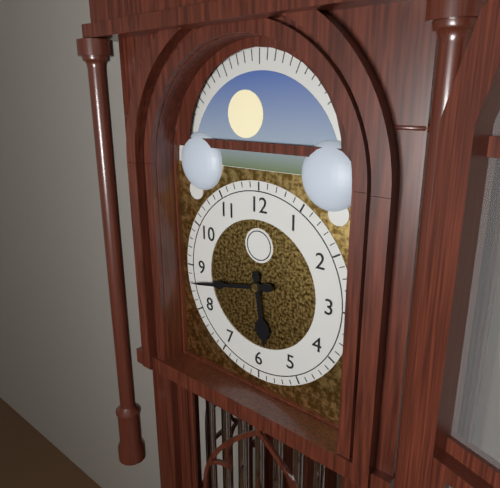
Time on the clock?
5:43
